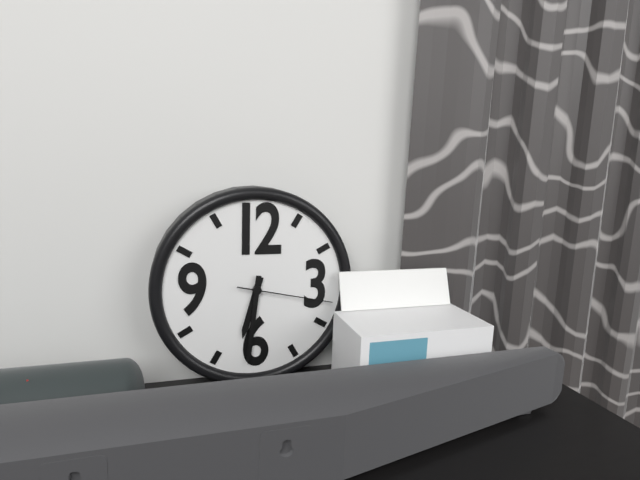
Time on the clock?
6:31:17
